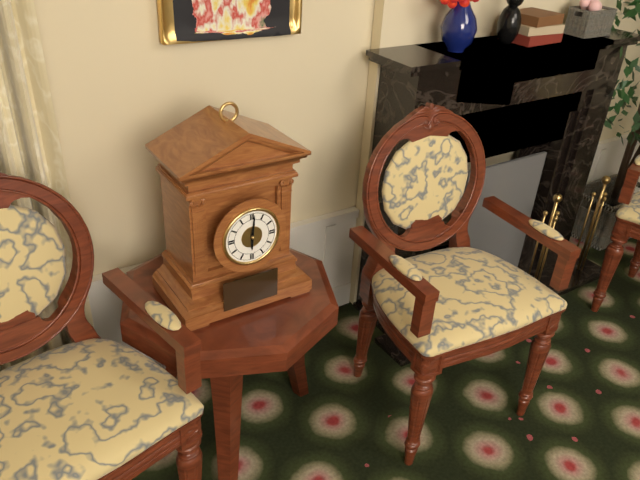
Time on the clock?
6:01
